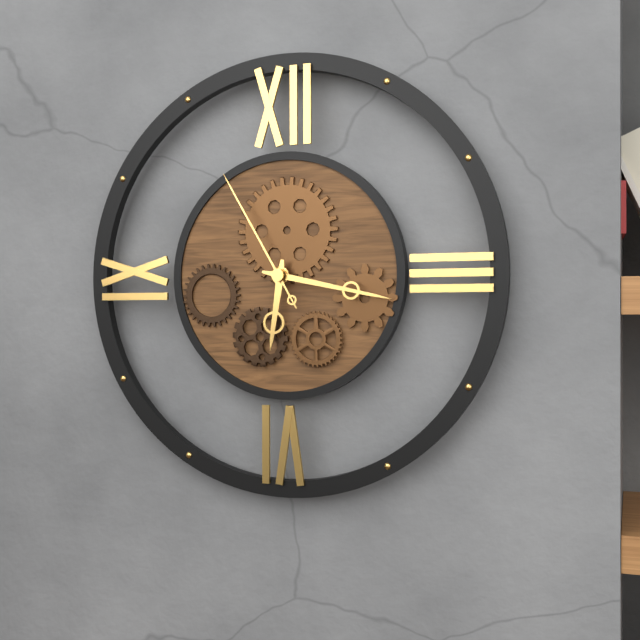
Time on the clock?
6:17:55
